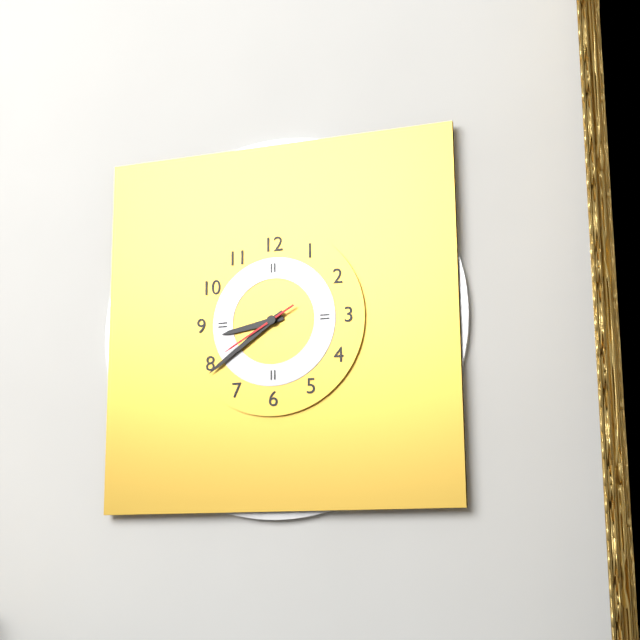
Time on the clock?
8:39:40
